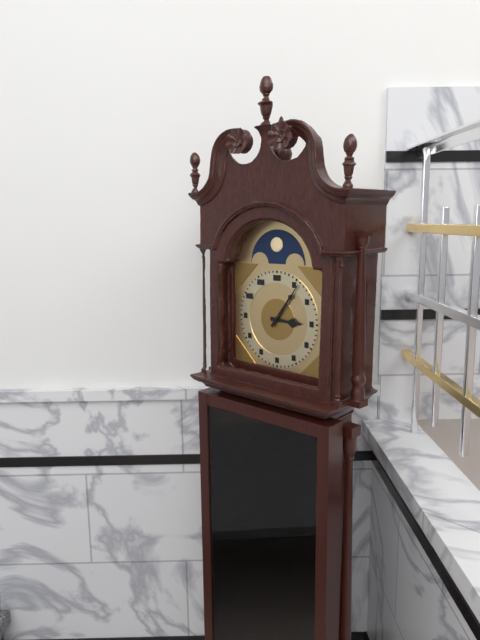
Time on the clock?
3:06
